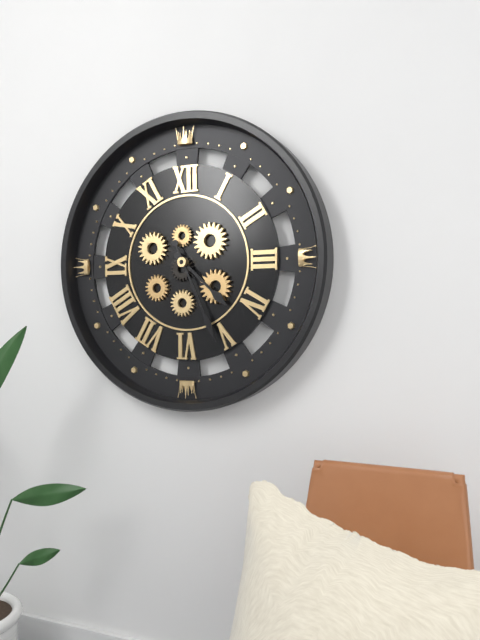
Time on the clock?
4:26
